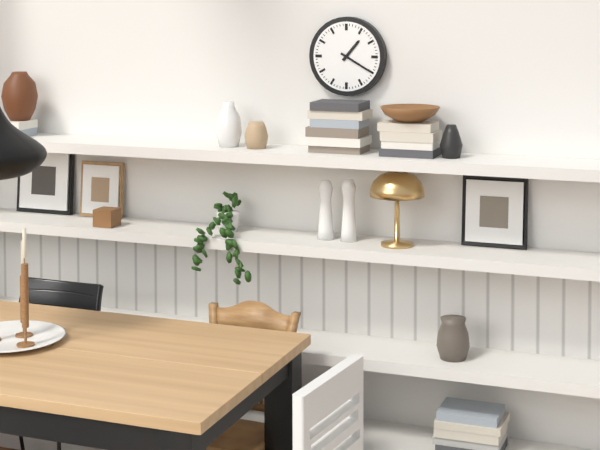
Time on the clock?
1:20
